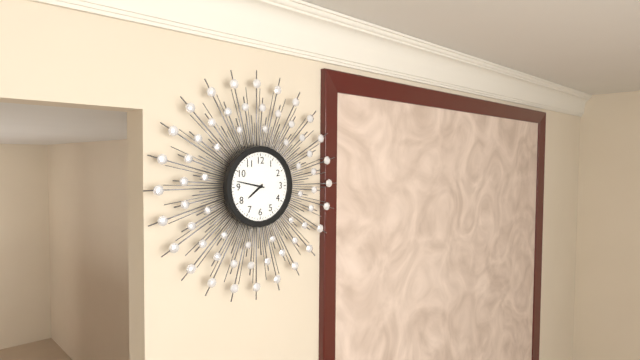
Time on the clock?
7:47
